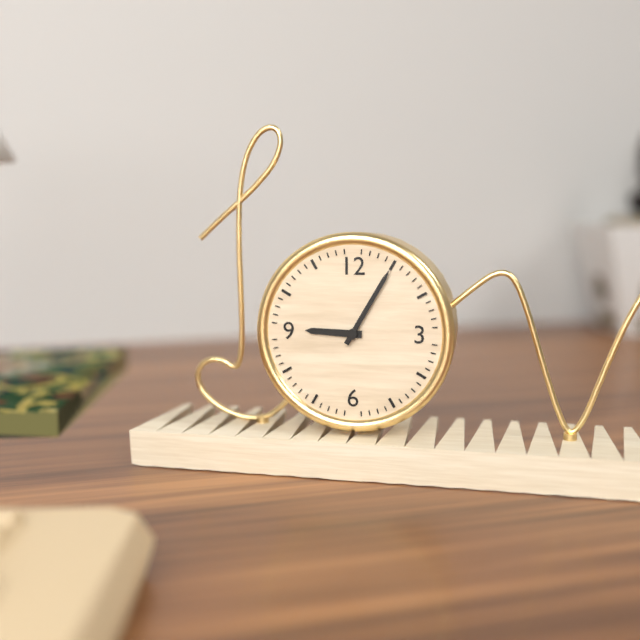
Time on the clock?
9:05
